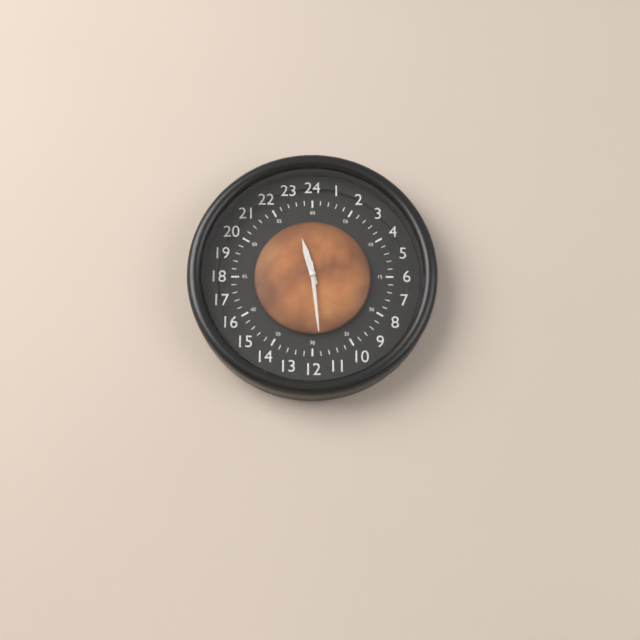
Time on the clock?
11:29
